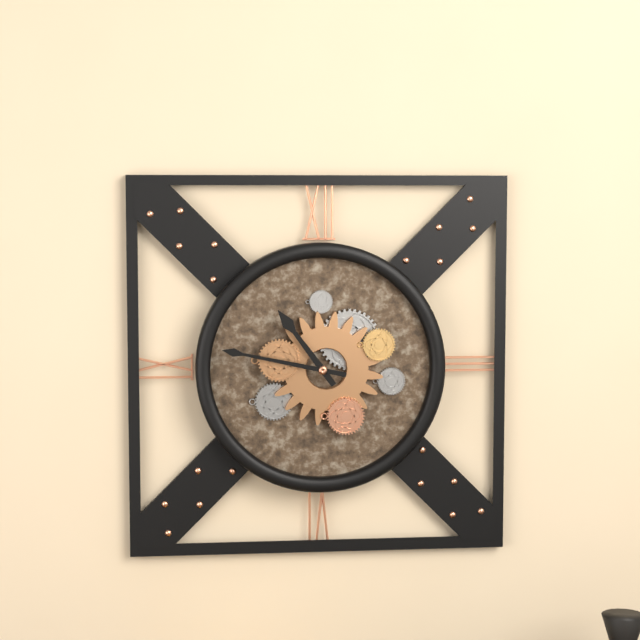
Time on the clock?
10:47
